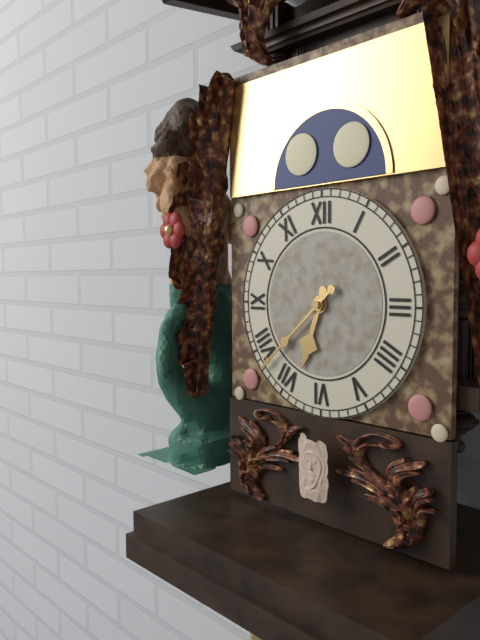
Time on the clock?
6:38
